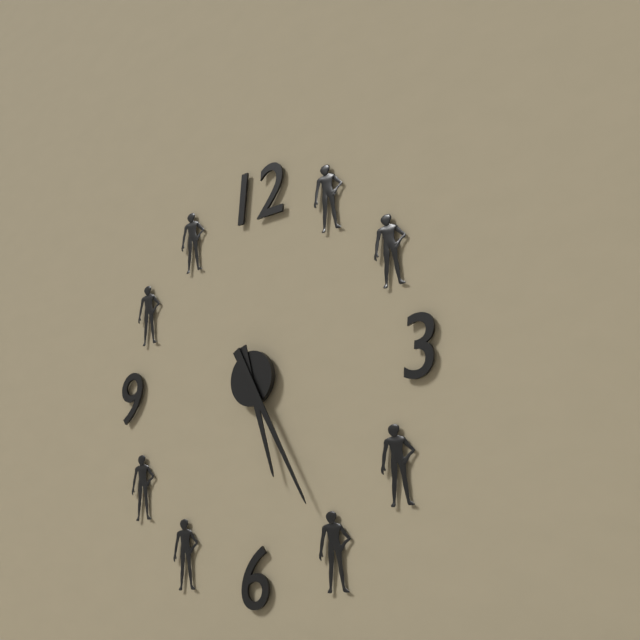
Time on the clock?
5:25
